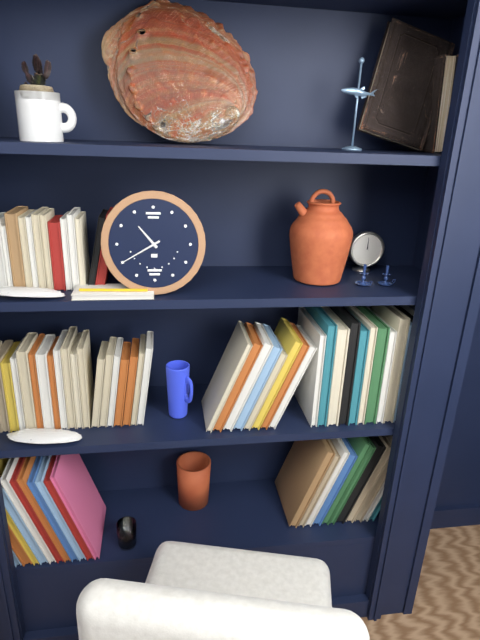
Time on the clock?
10:40
